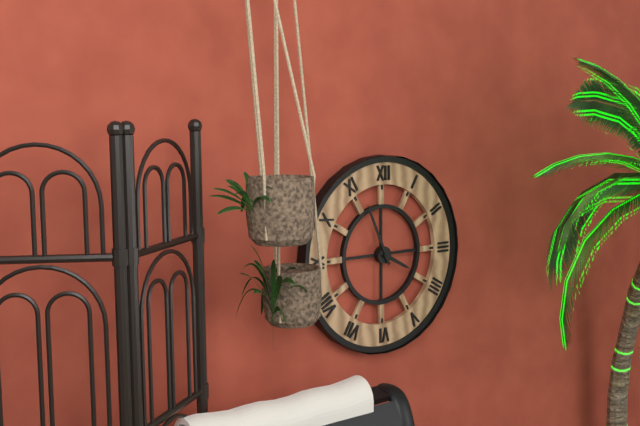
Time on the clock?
3:56
